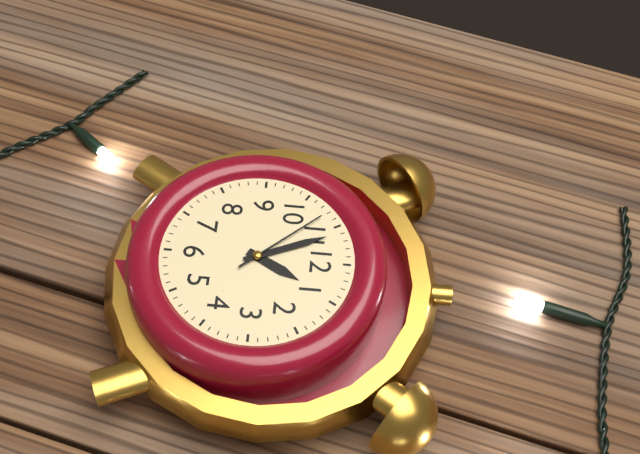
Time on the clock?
12:56:53
